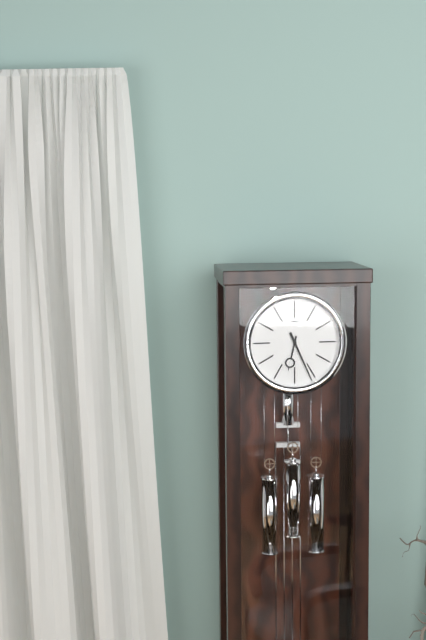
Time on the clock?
6:26
